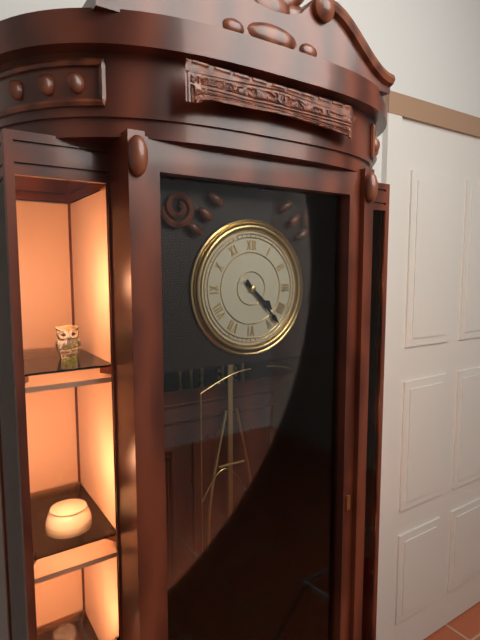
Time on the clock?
4:23
